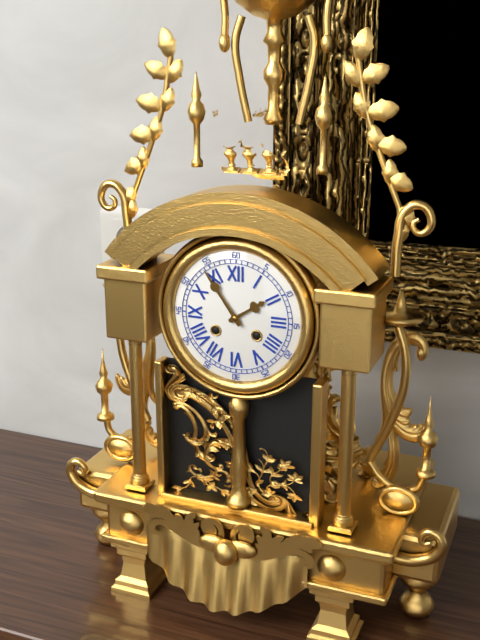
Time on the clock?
1:54
